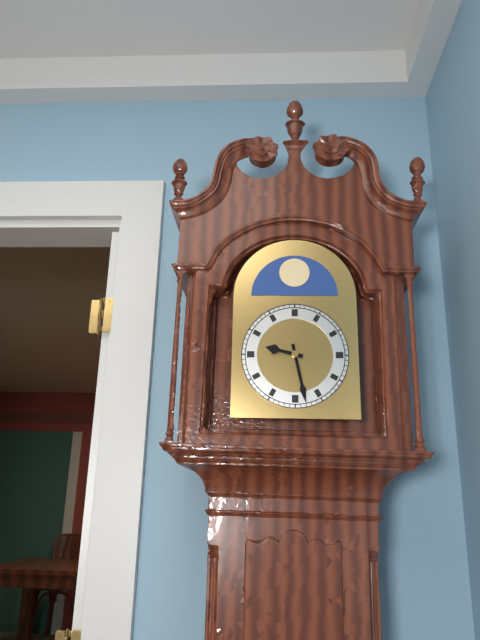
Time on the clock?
9:28
